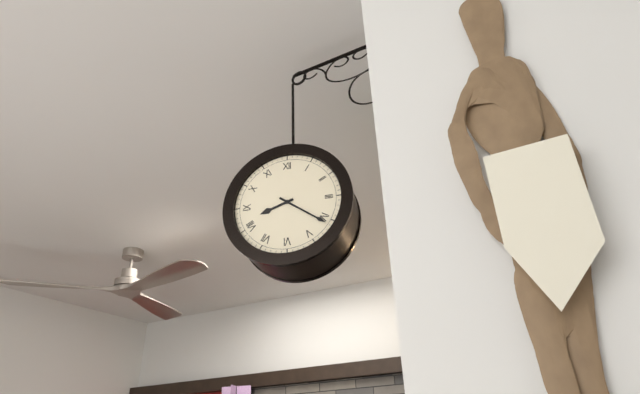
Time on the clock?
8:21
